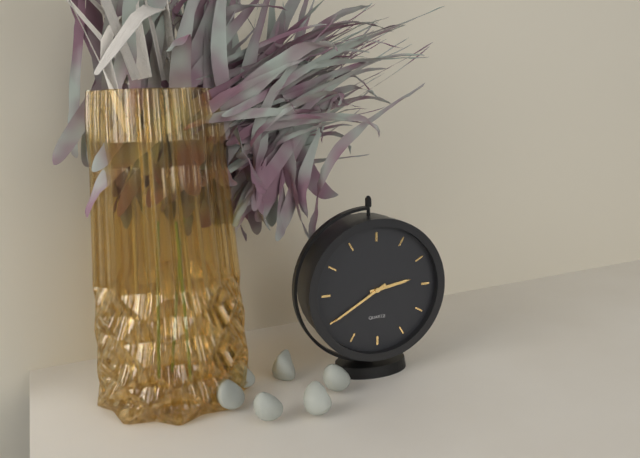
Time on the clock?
2:40
